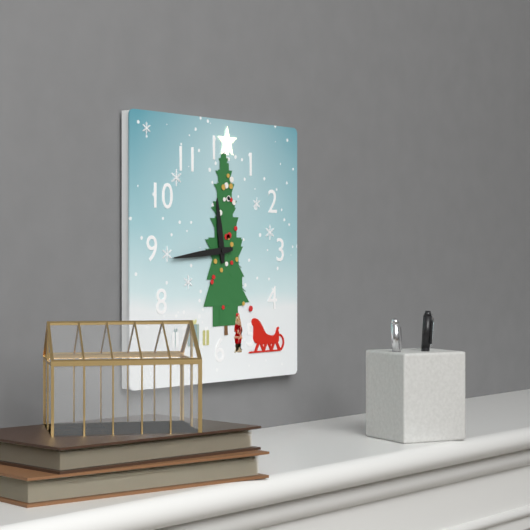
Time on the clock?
11:44
